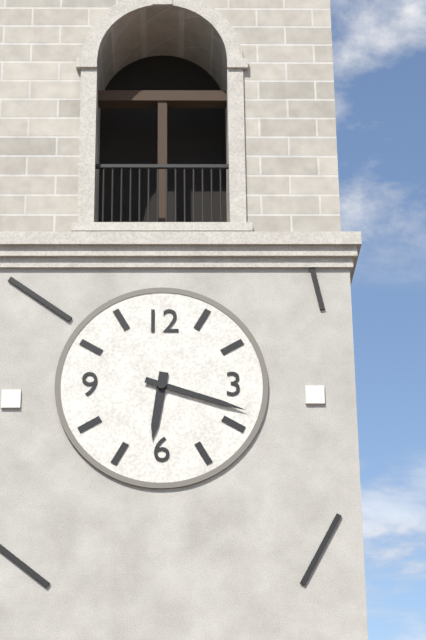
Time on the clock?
6:18
